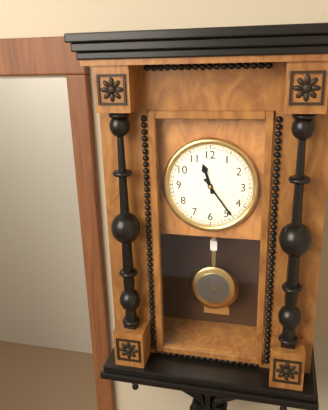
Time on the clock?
11:24
